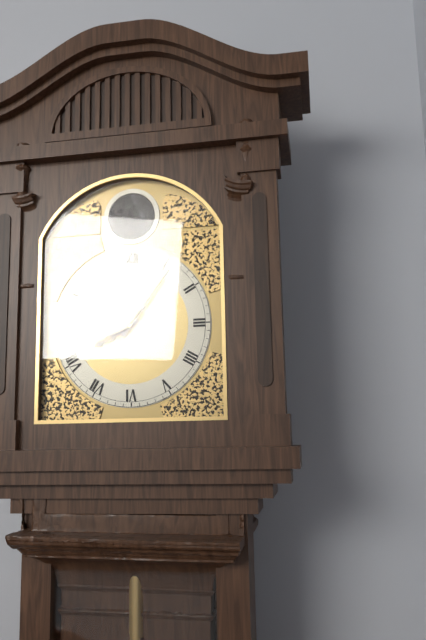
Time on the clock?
8:06
